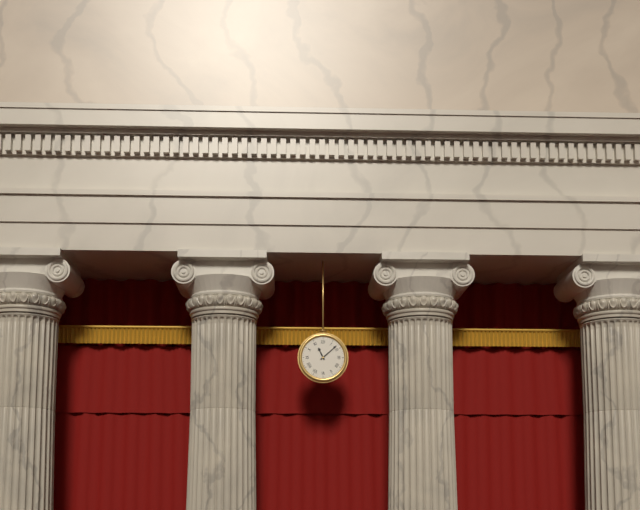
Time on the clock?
11:08
